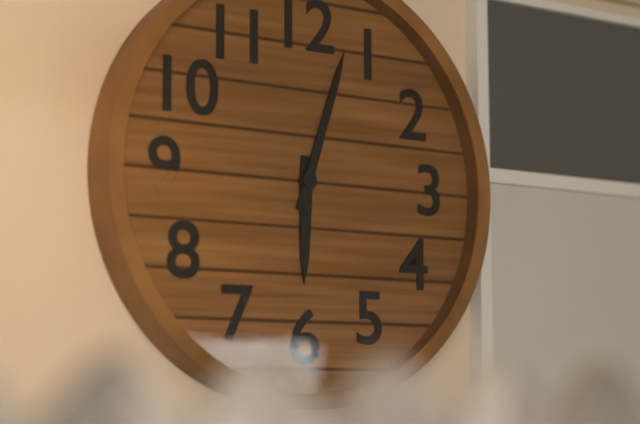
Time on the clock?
6:03
